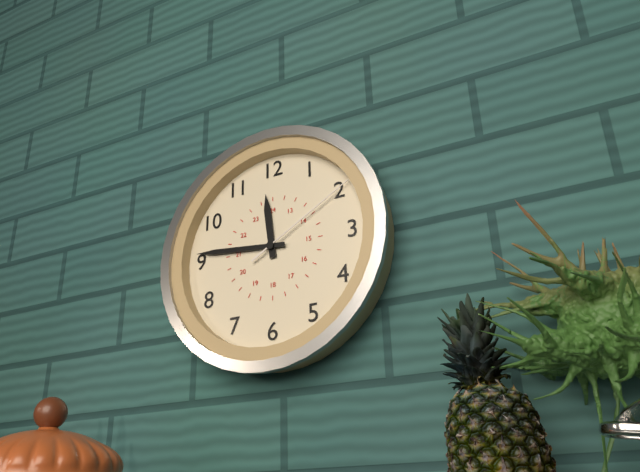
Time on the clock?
11:46:10
